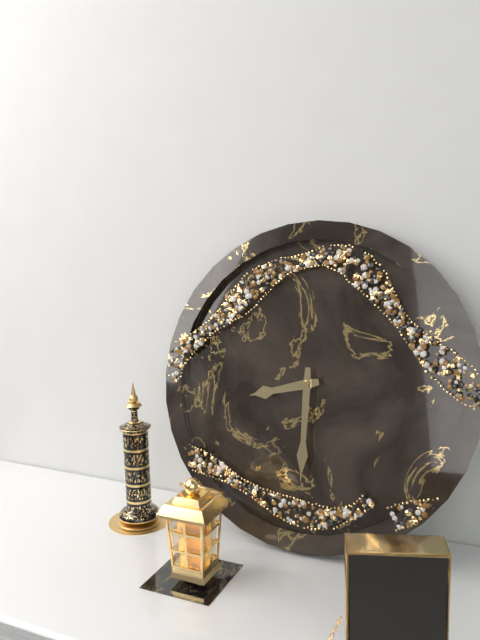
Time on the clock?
8:30
